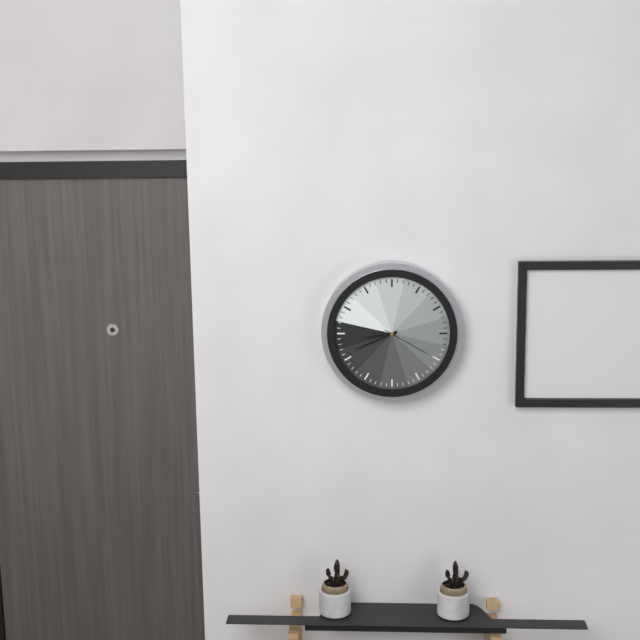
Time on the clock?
8:41:20
